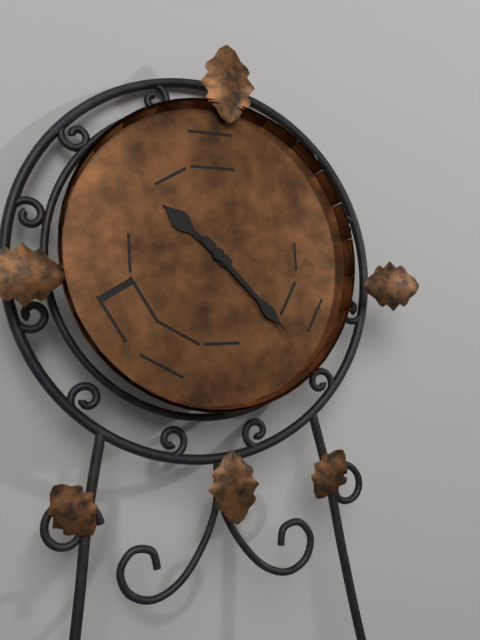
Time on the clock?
10:23
